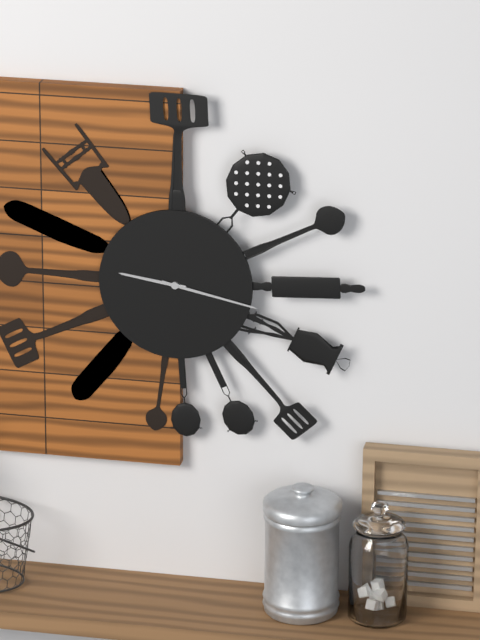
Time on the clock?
9:17
